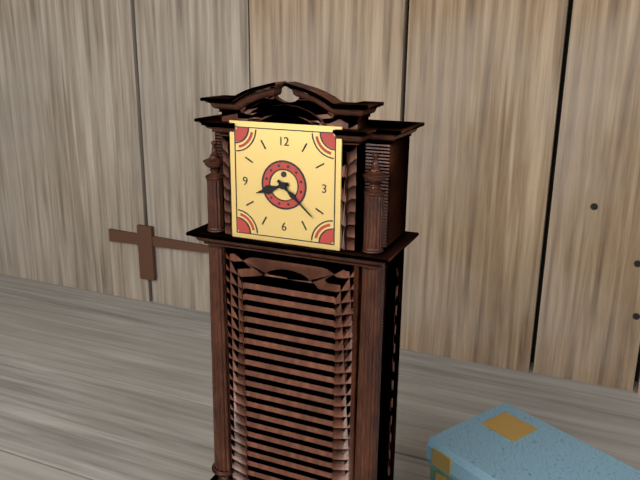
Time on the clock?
8:22
